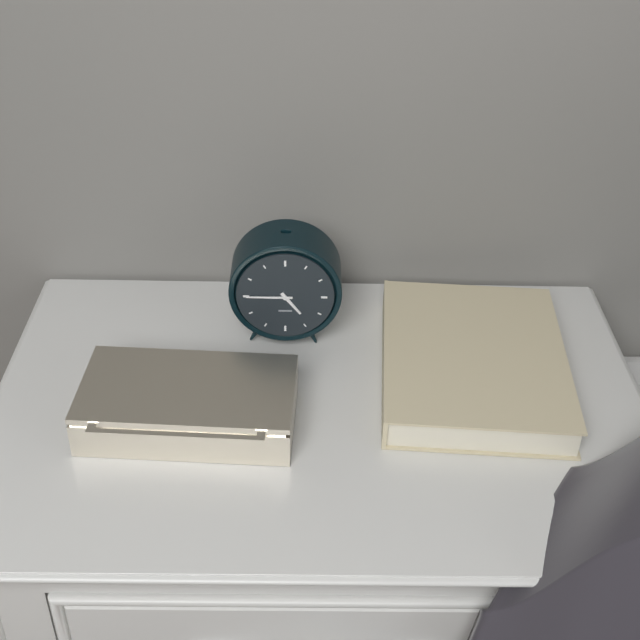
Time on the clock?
4:45
